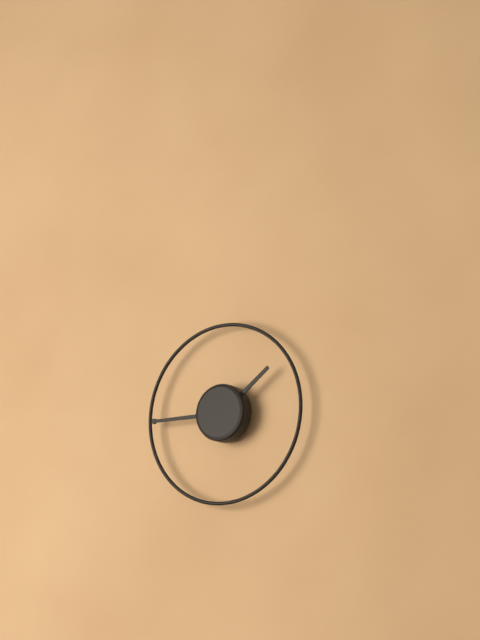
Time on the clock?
1:45
